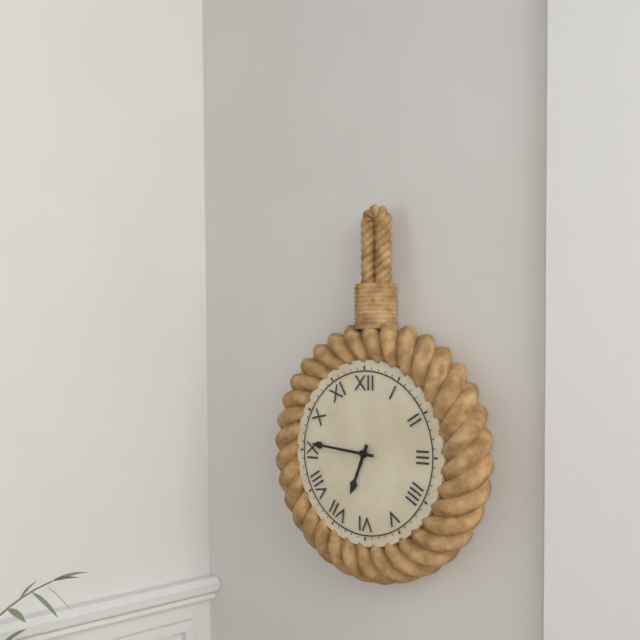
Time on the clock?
6:46
